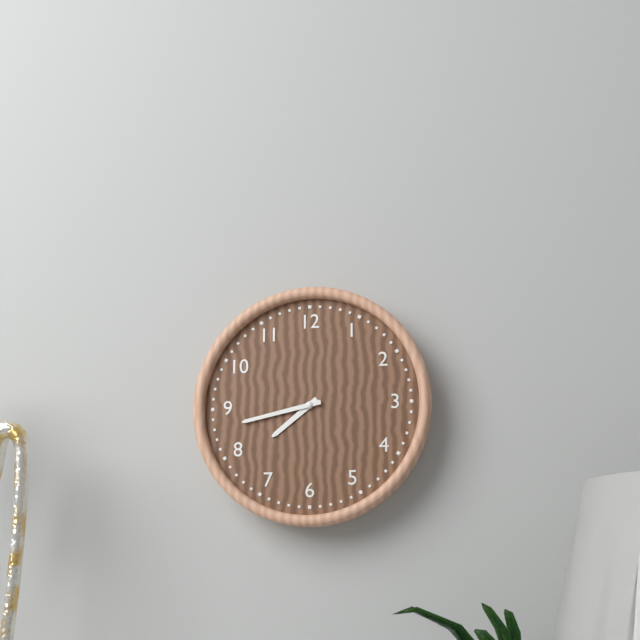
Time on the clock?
7:43
